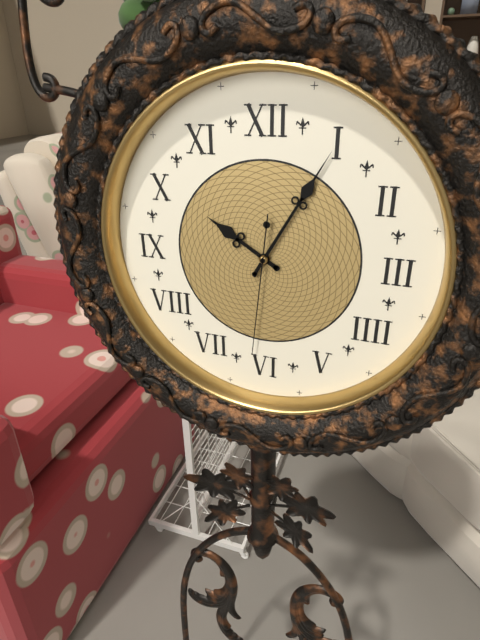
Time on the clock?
10:05:31
